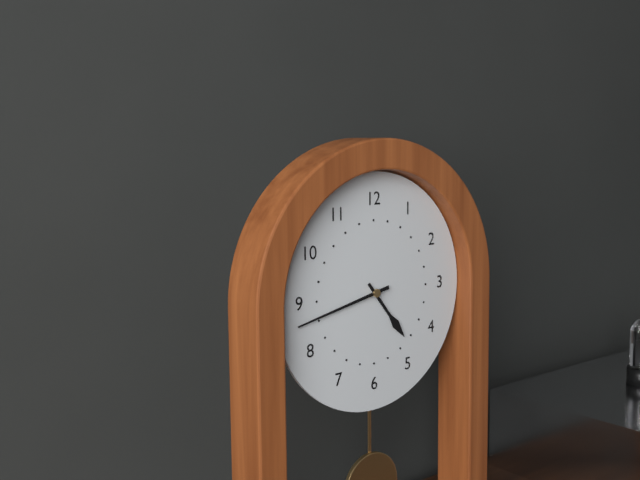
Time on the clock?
4:43
